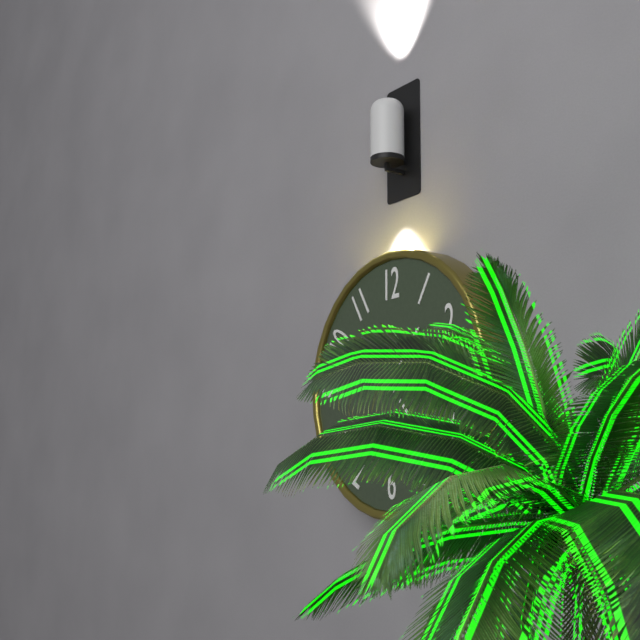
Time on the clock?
1:23
